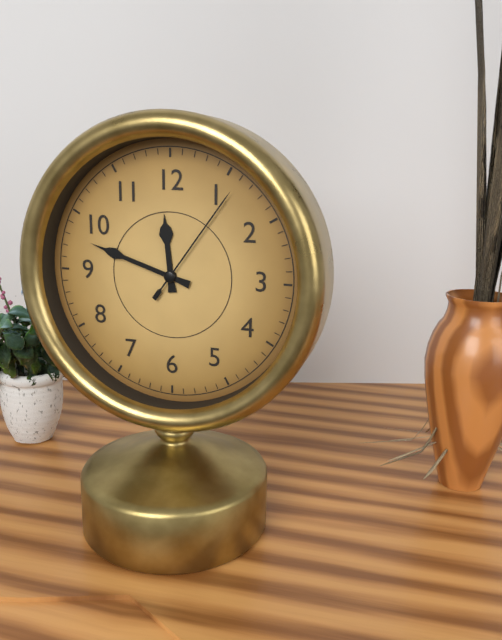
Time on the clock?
11:48:06
